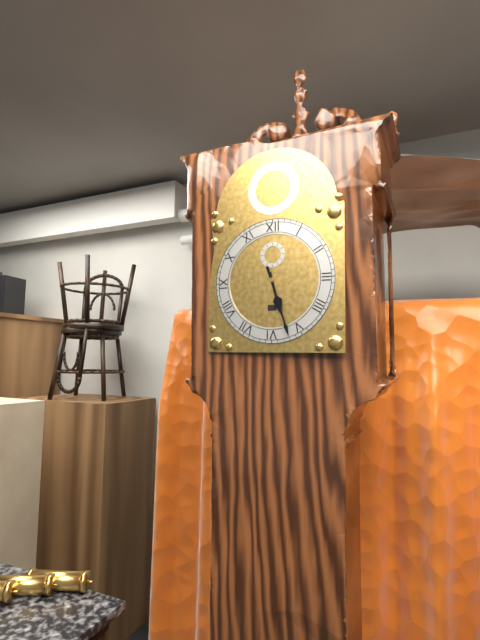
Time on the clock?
5:27
